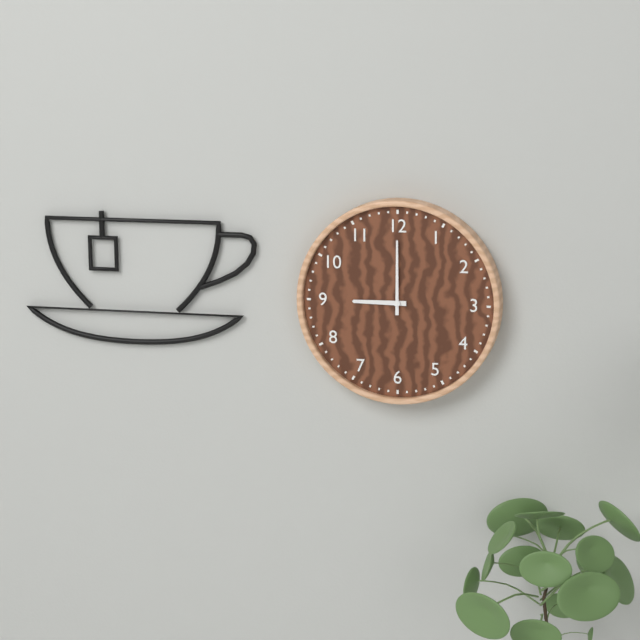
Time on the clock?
9:00
